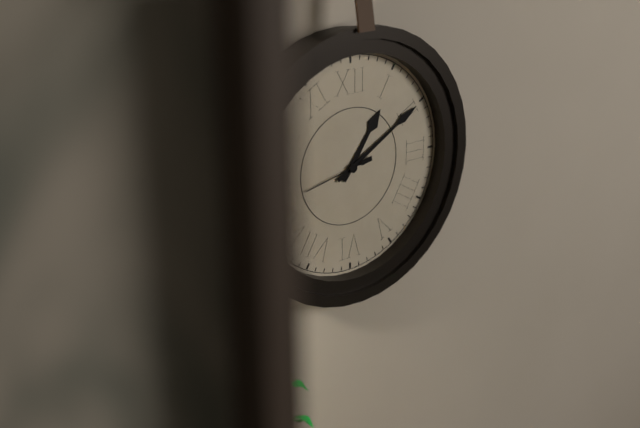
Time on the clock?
1:10:43
